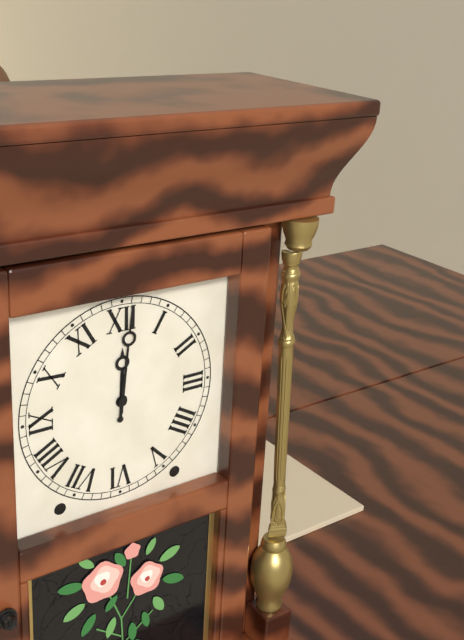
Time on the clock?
12:01
